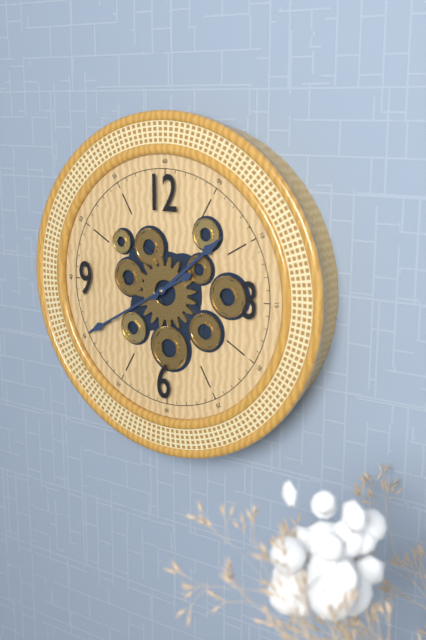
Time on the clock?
1:40
